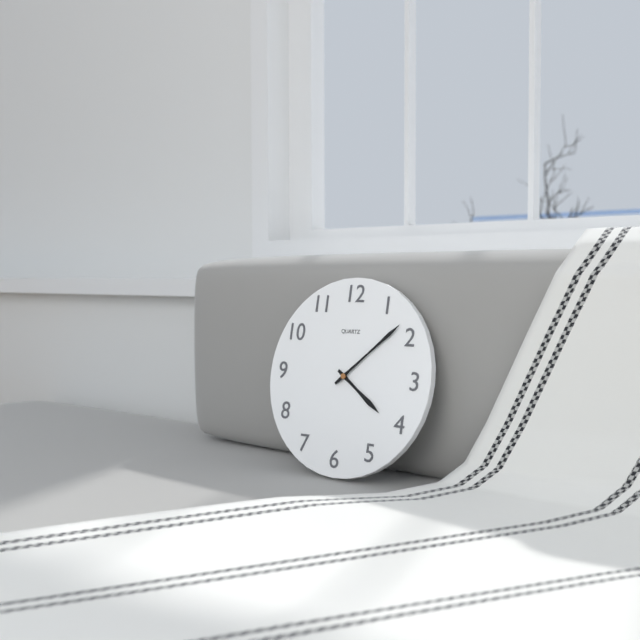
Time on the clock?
4:08
